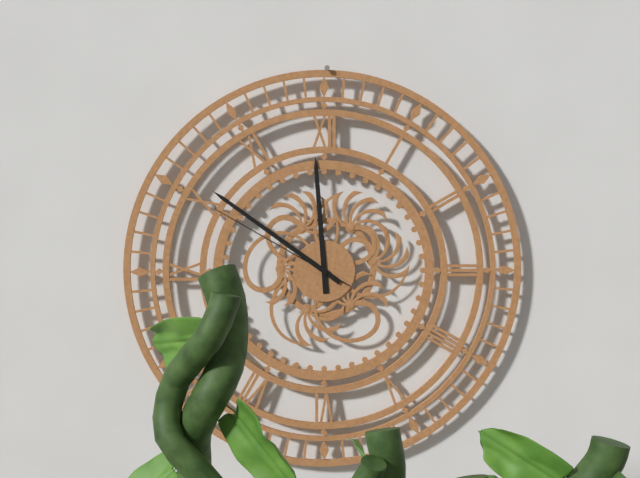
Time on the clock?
11:51:50
